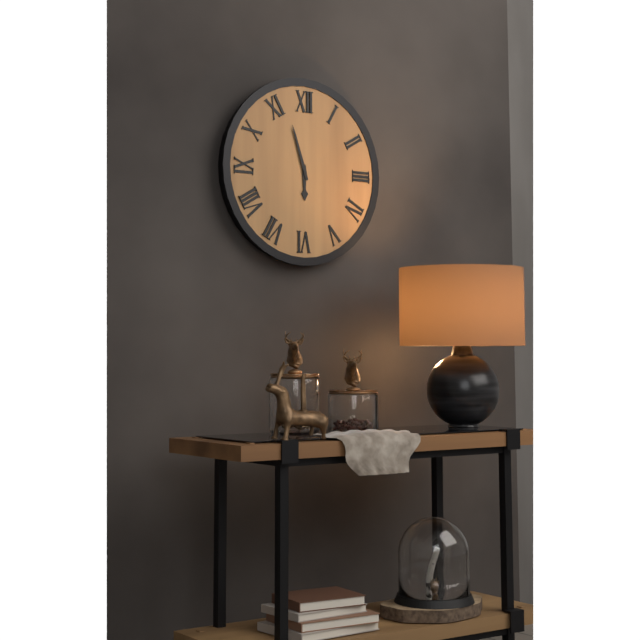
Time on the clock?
5:57
